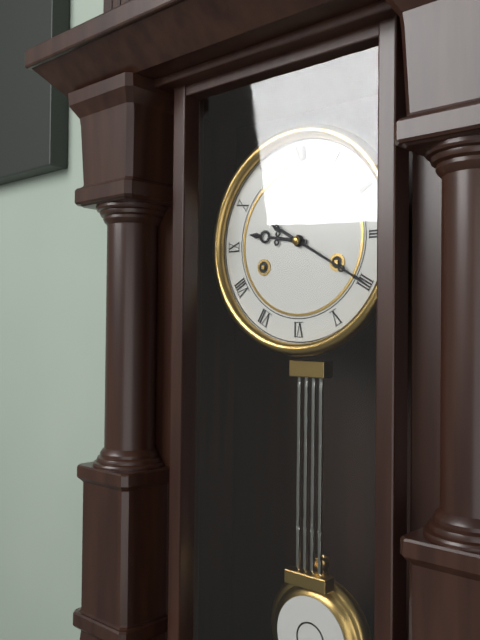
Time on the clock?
9:20
